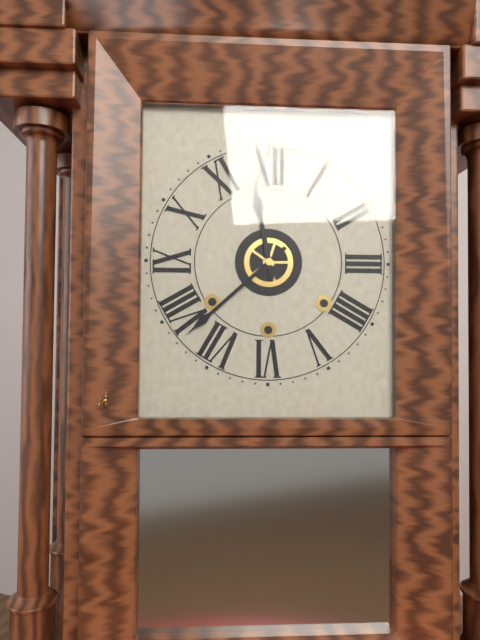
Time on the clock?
11:38
